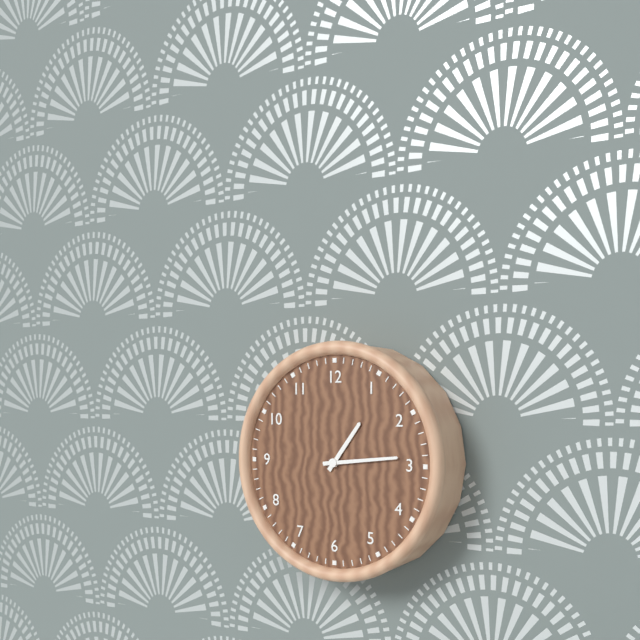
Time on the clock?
1:14
